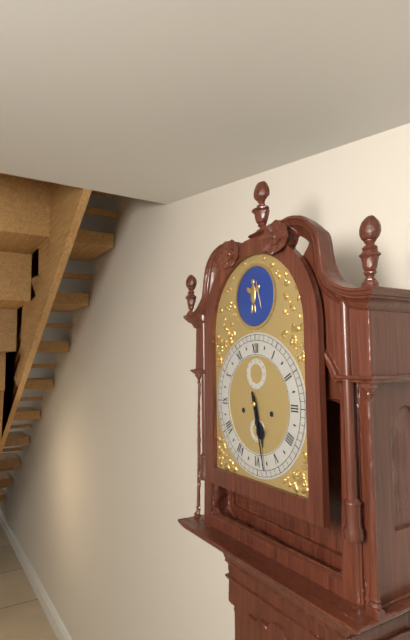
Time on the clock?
5:28
